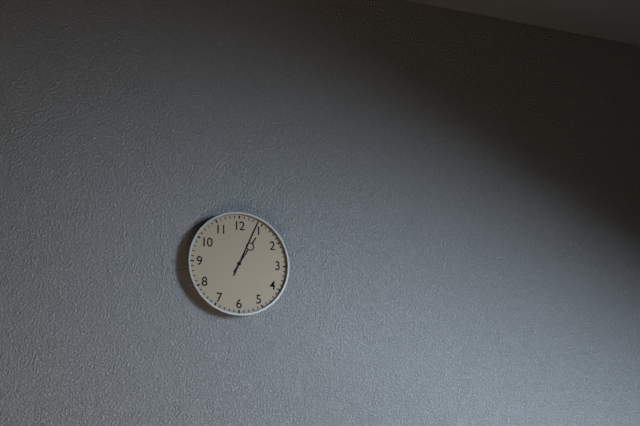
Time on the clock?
1:04
